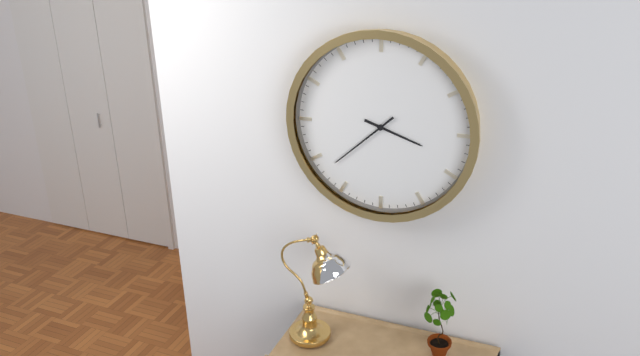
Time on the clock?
3:38
